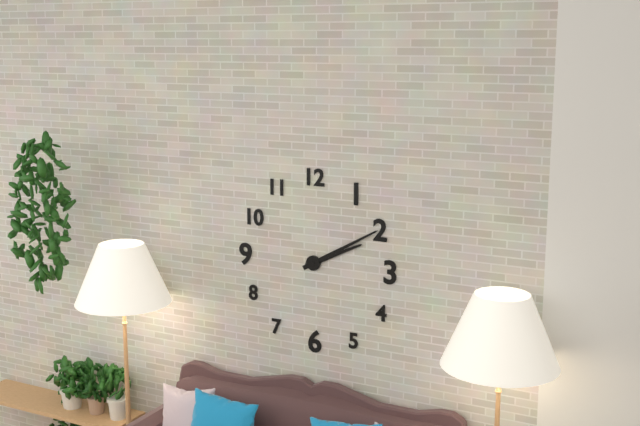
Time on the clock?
2:10
